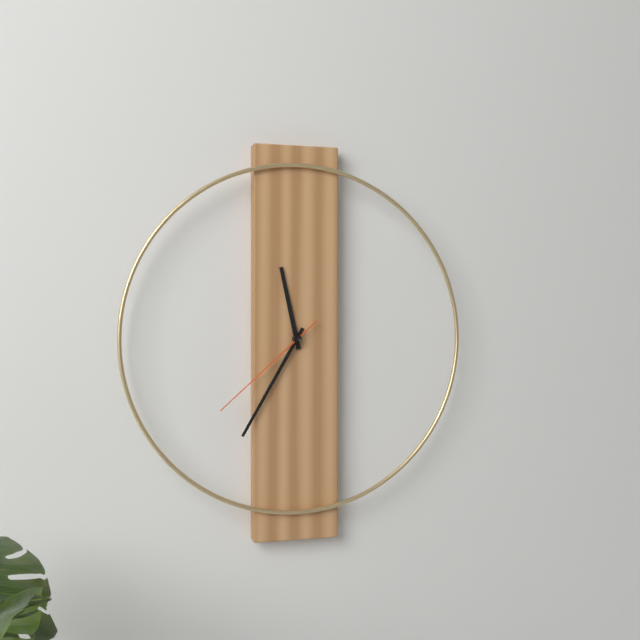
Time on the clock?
11:35:38
